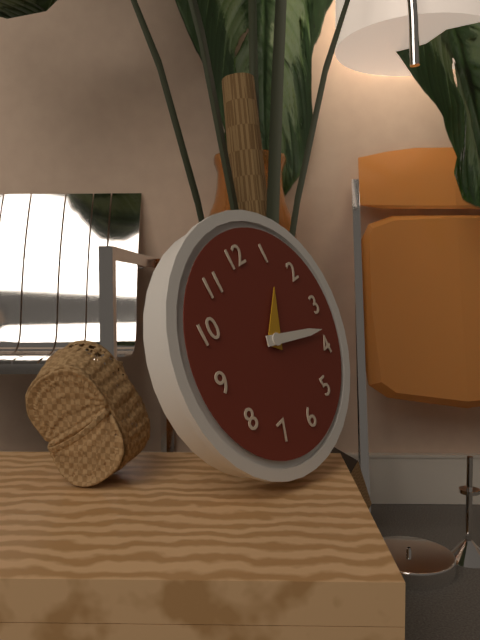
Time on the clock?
1:18
